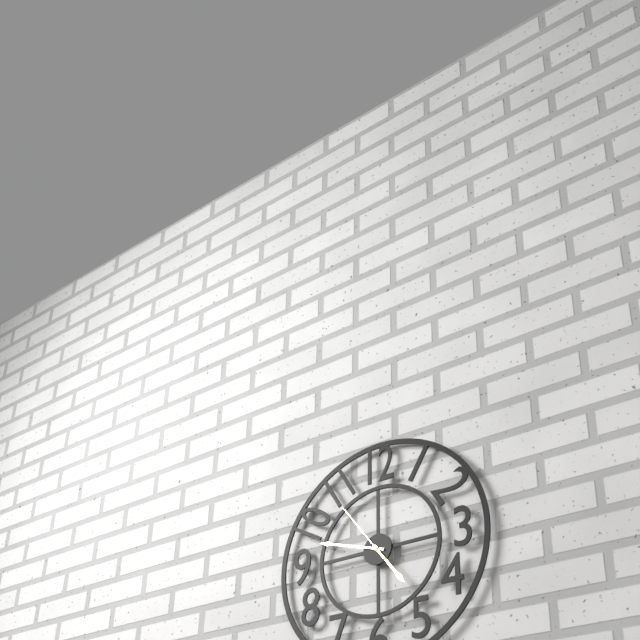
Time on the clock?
4:48:54
